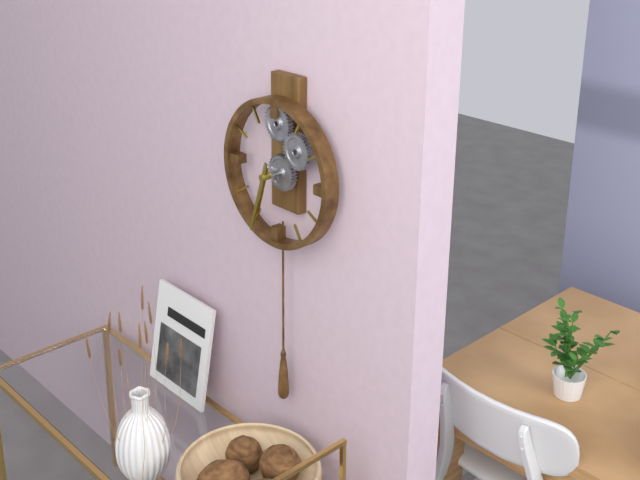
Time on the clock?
6:33
